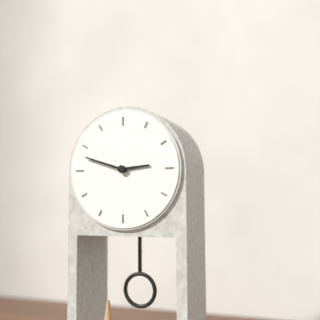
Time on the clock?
2:48
